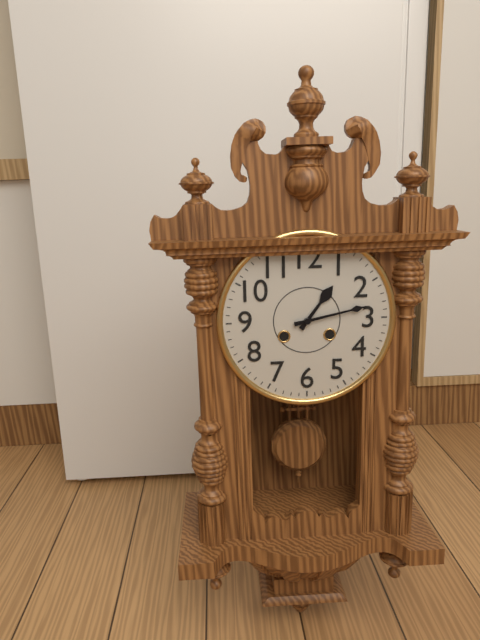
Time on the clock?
1:13
